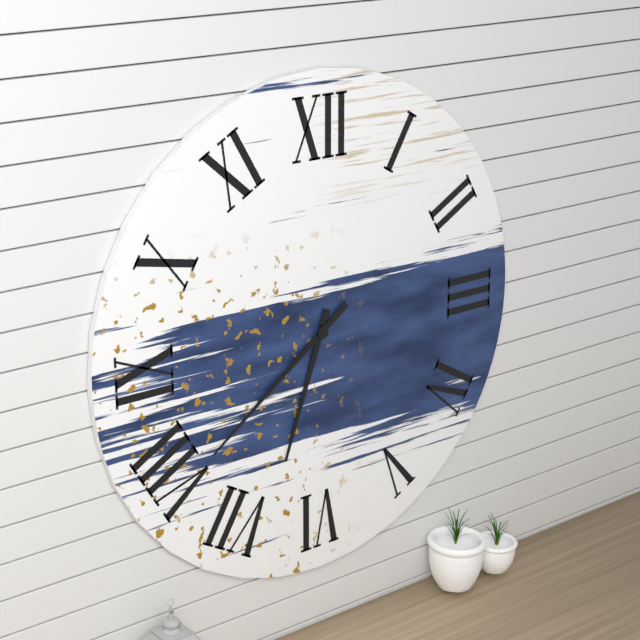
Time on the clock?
6:39
